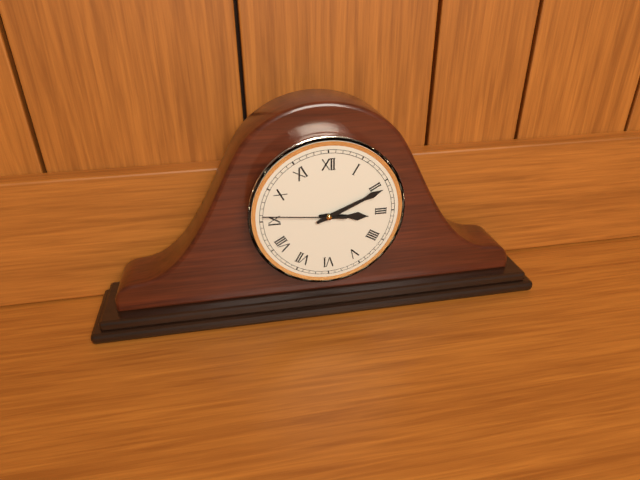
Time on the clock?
3:11:46
